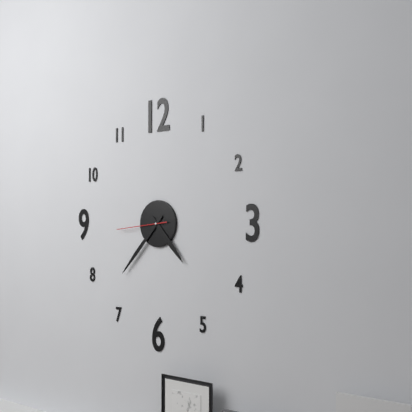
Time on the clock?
4:37:44
